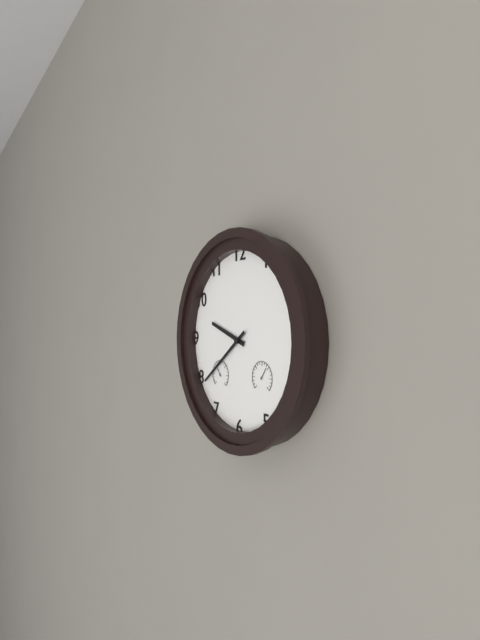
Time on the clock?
9:39
